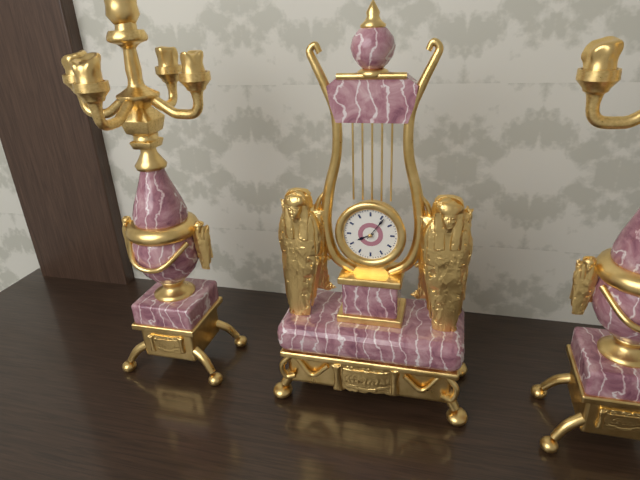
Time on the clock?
8:06
